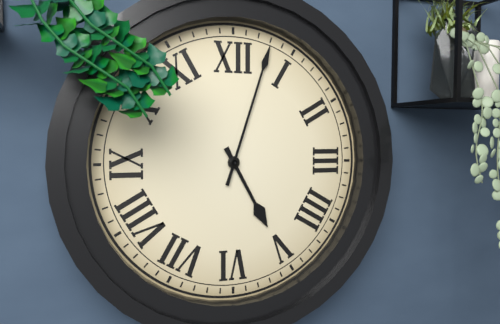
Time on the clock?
5:03
